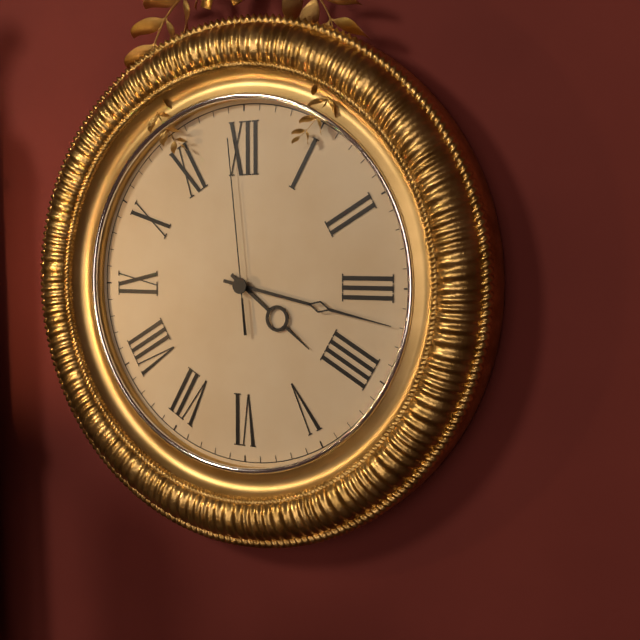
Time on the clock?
4:17:59
